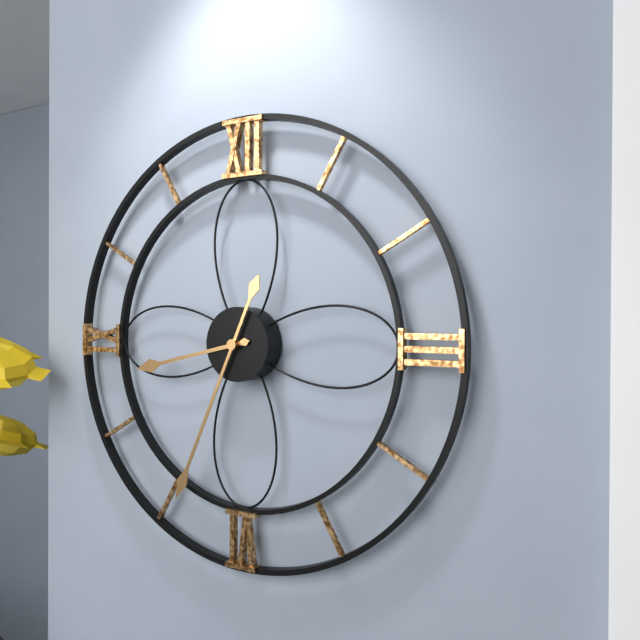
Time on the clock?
8:34
